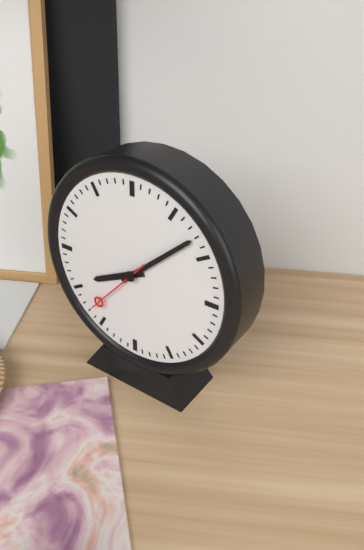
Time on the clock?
8:08:37
